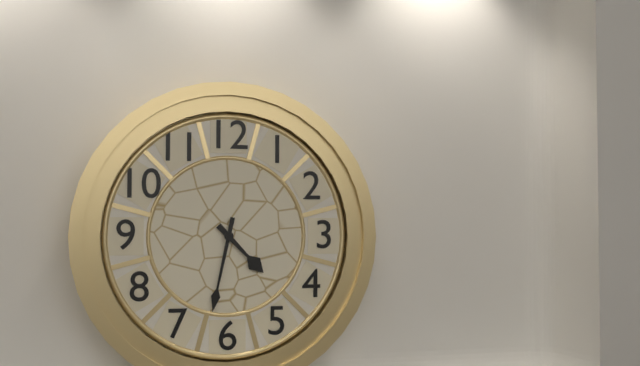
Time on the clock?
4:32
